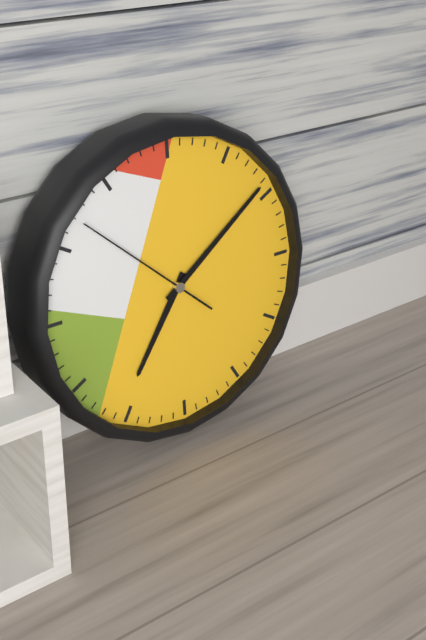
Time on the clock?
7:09:52
